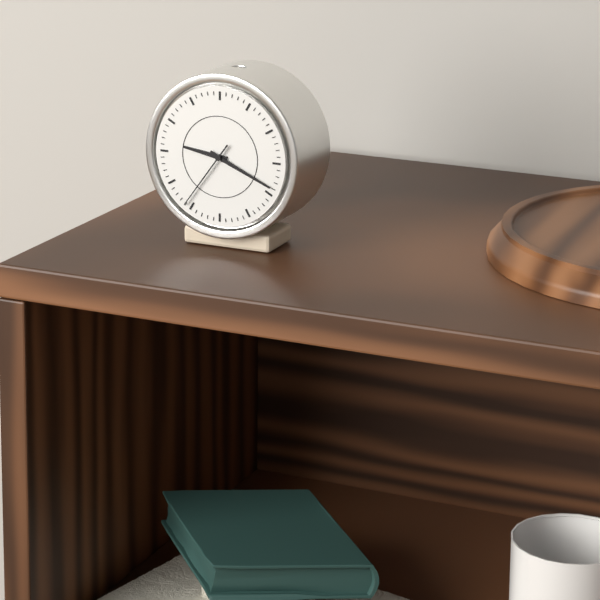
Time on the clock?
9:19:36
